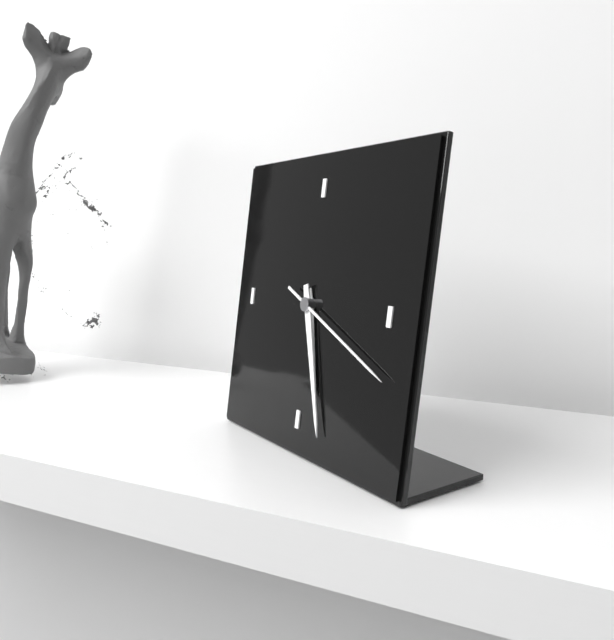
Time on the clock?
5:27:19
